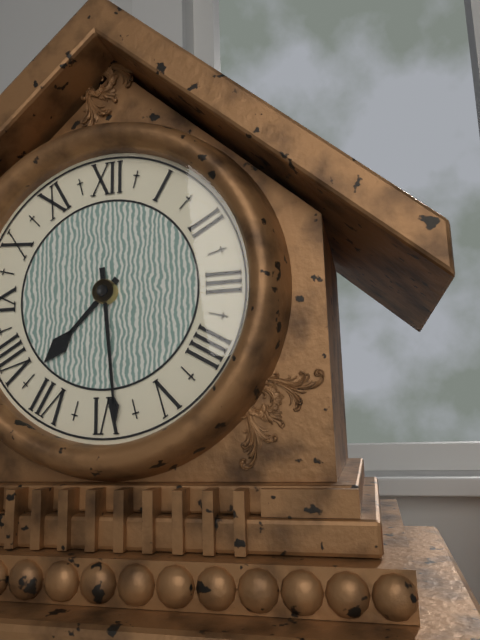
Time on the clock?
7:29
